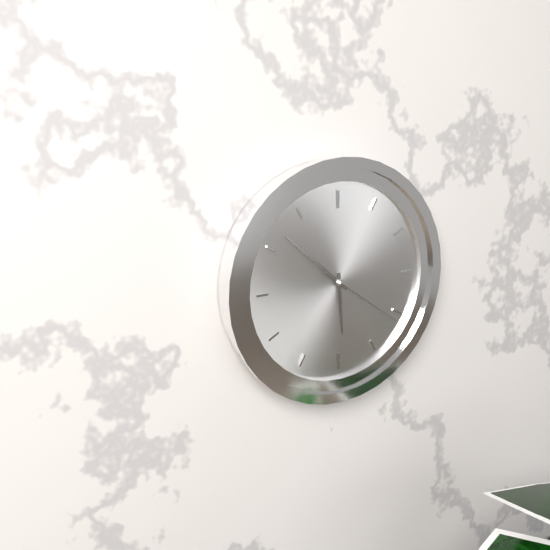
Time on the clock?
5:52:21
